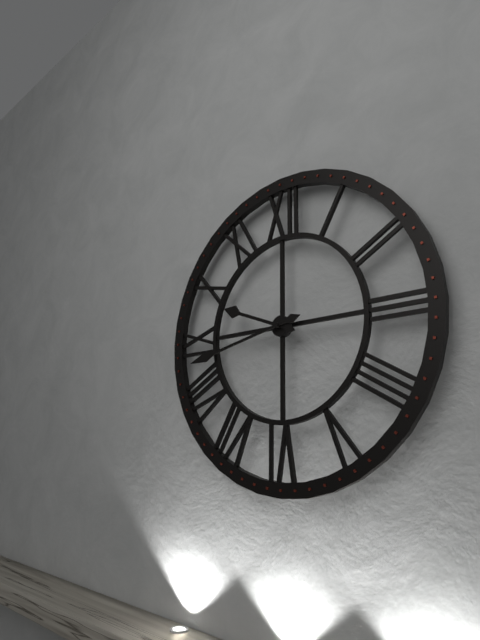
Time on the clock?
9:43
